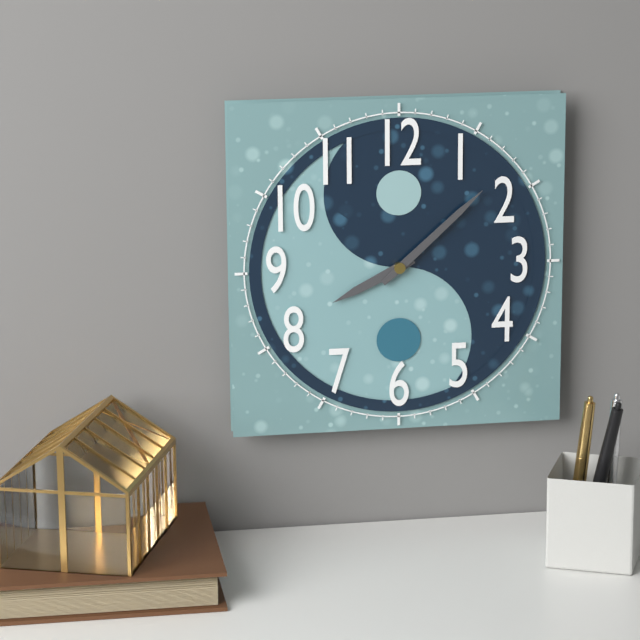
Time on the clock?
8:08
